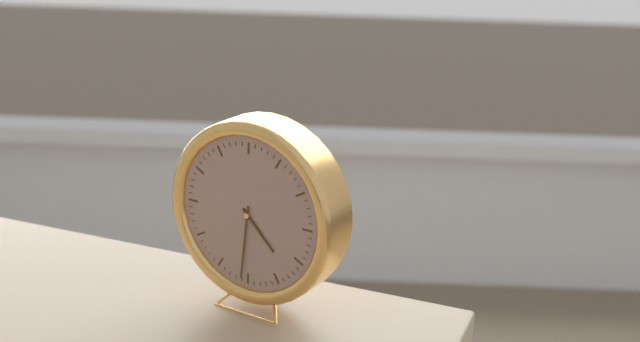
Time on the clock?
4:31
